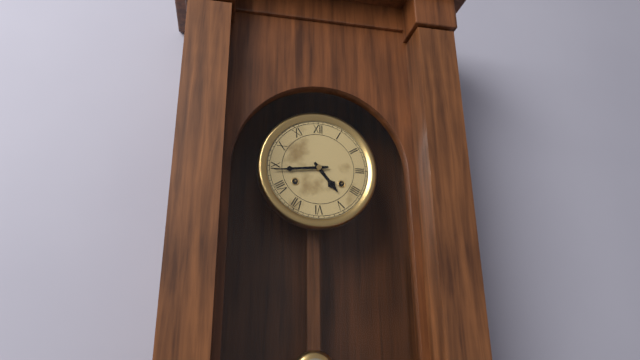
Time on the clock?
4:44
